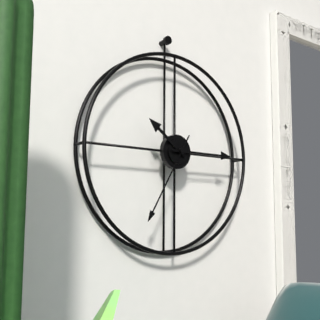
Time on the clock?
10:15:35
